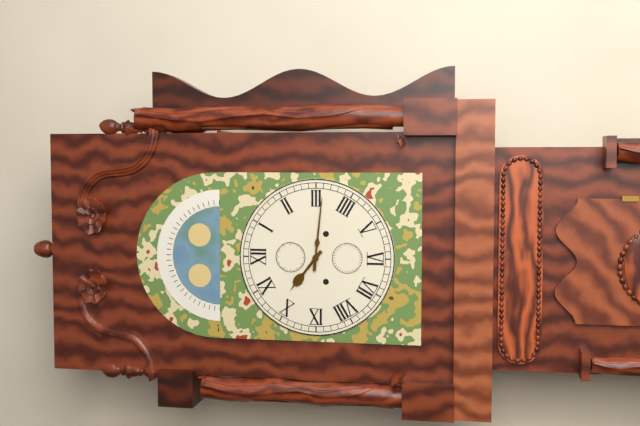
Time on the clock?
10:16
